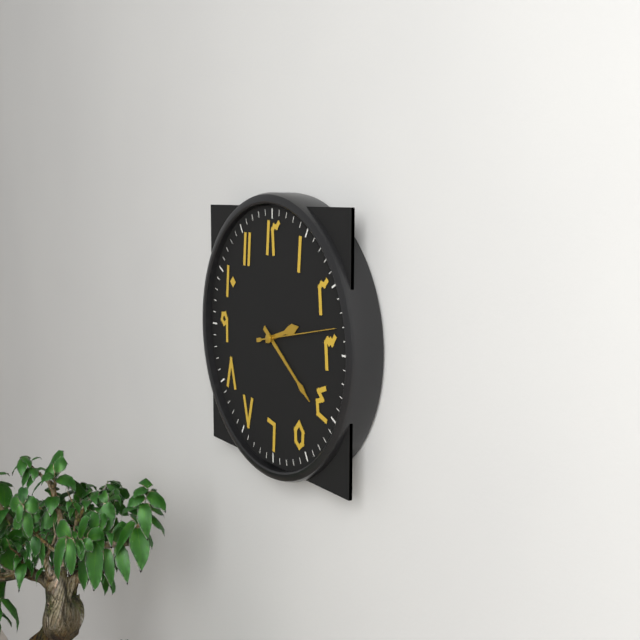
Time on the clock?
2:21
